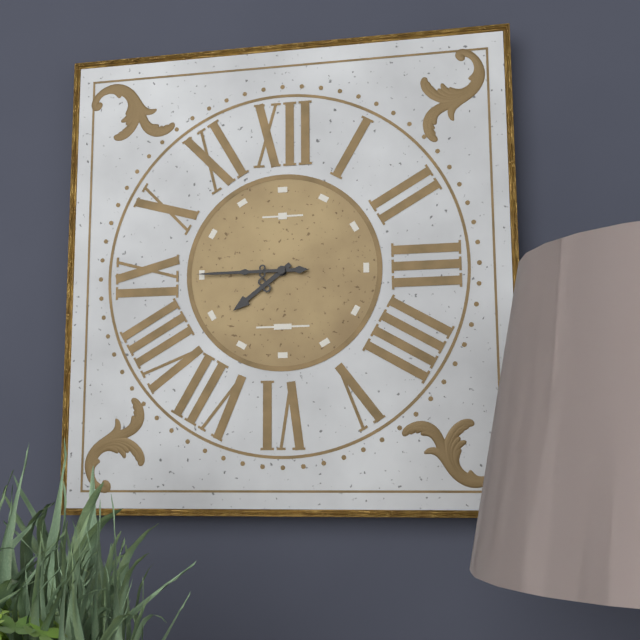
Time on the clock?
7:45
